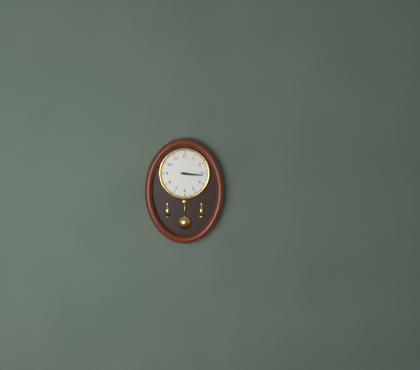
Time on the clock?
3:16
